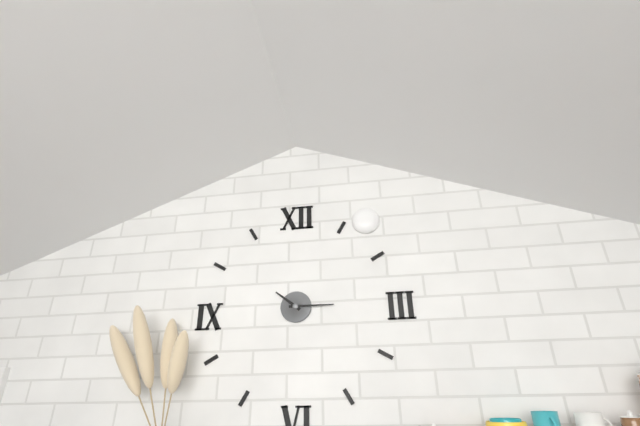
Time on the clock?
10:15
